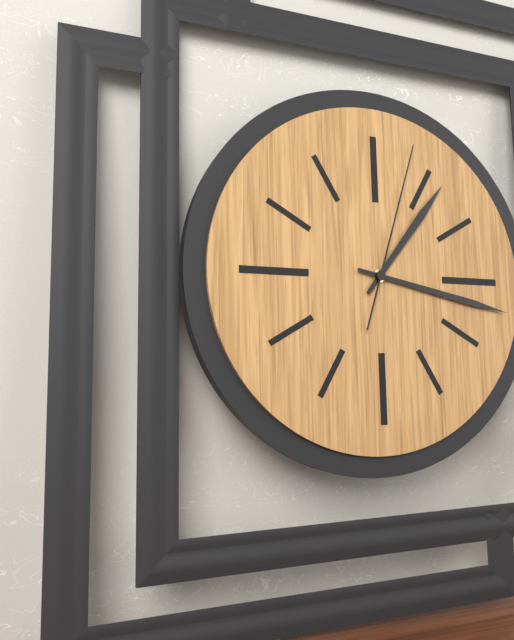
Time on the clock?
1:17:03
